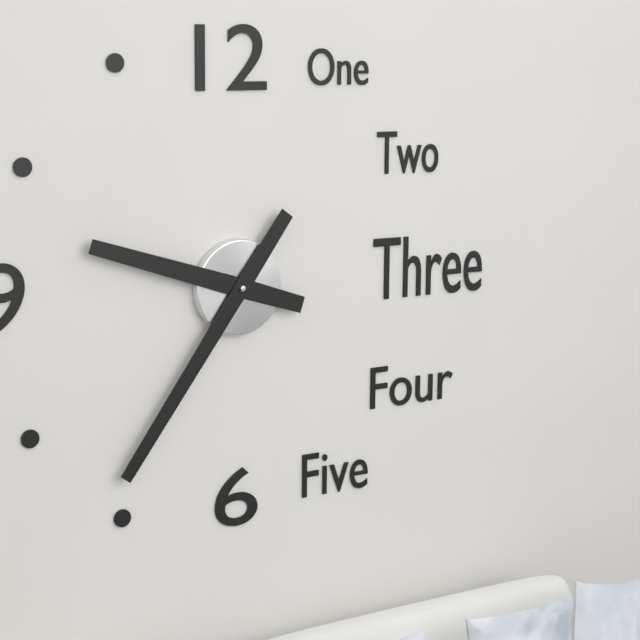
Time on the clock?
9:36
